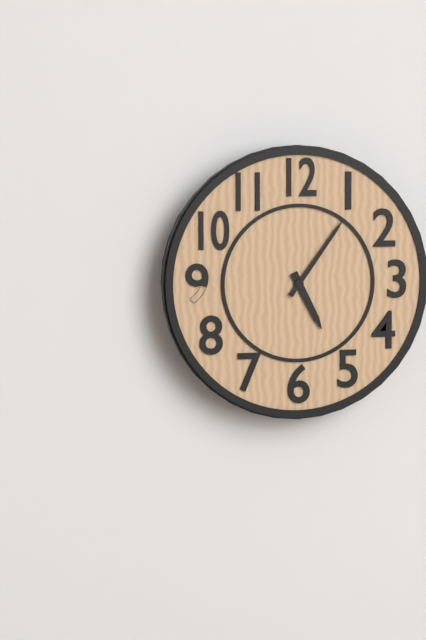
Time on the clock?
5:06
